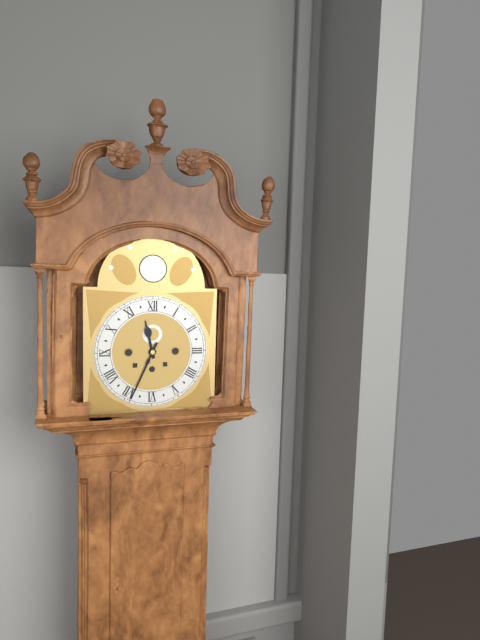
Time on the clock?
11:34
